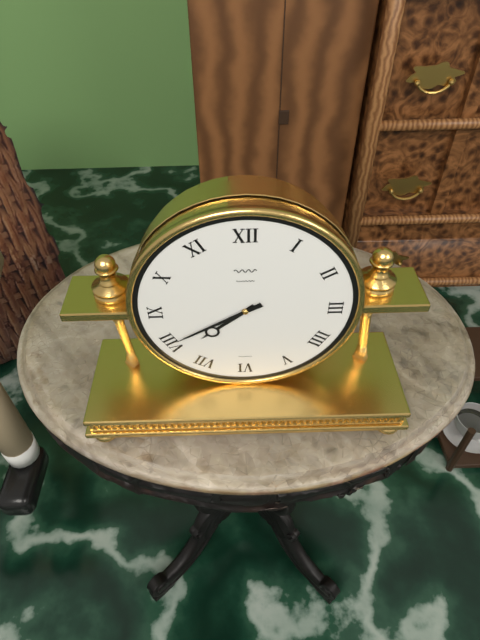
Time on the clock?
7:40
